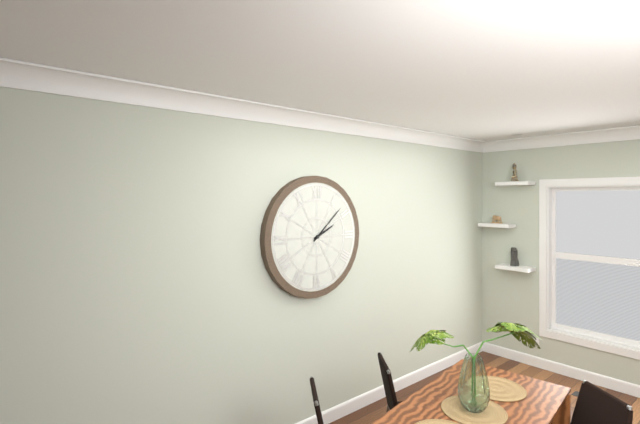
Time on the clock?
2:08
